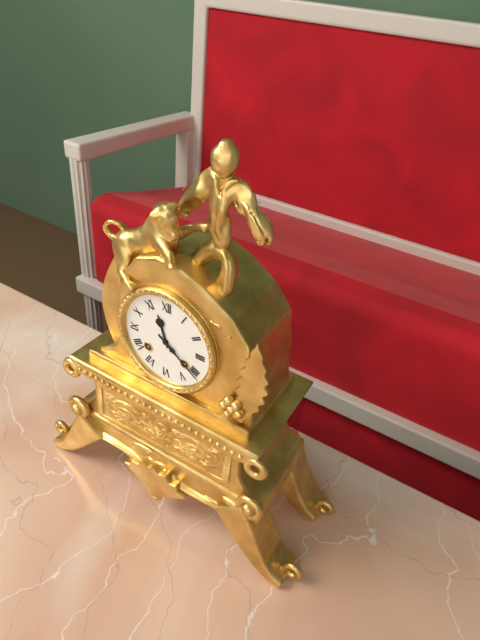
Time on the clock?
11:21
